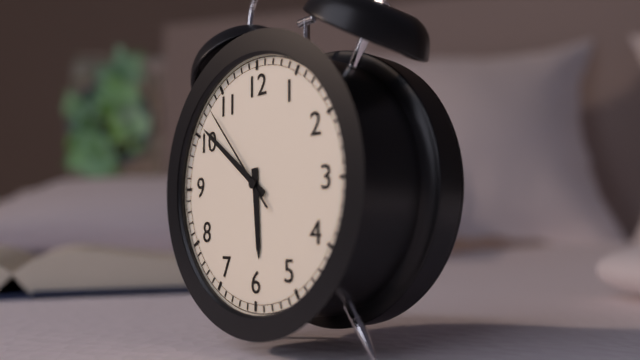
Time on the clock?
5:51:53
